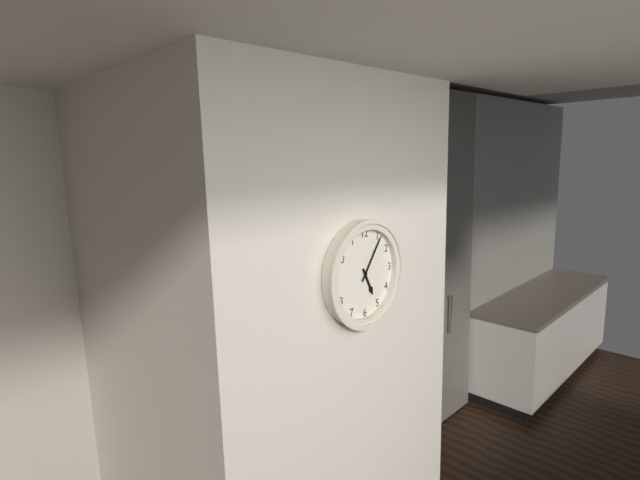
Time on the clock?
5:06
